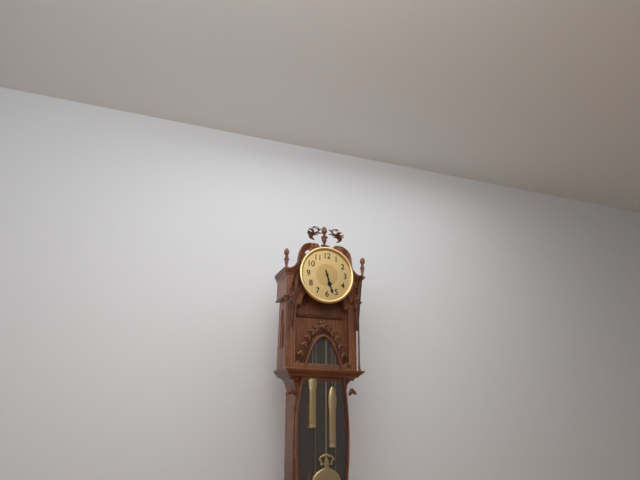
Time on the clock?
5:27
